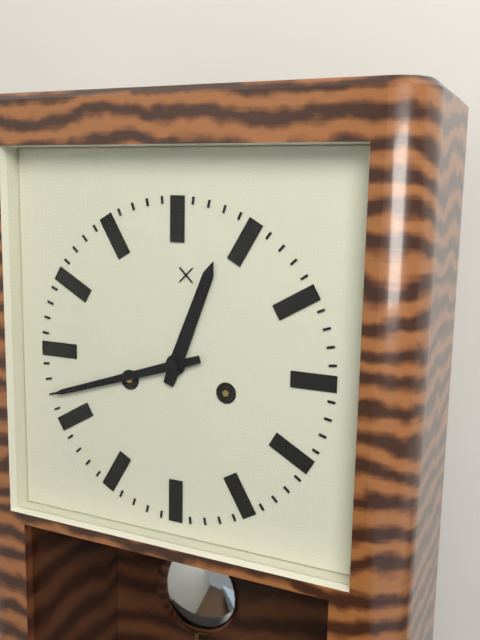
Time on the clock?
12:42
